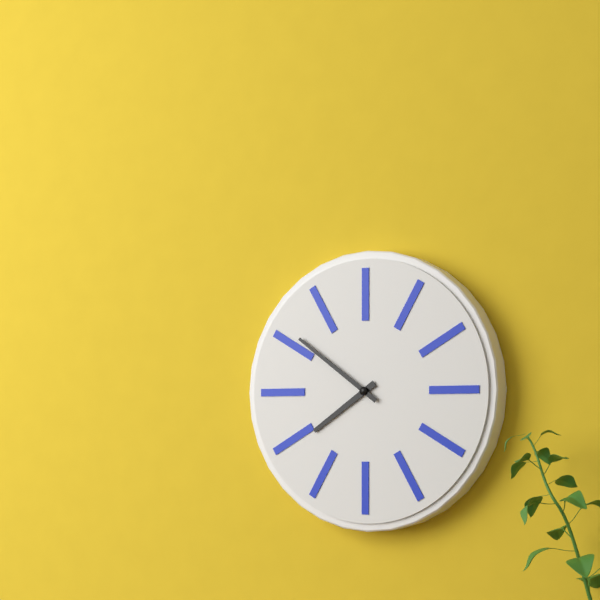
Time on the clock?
7:51
